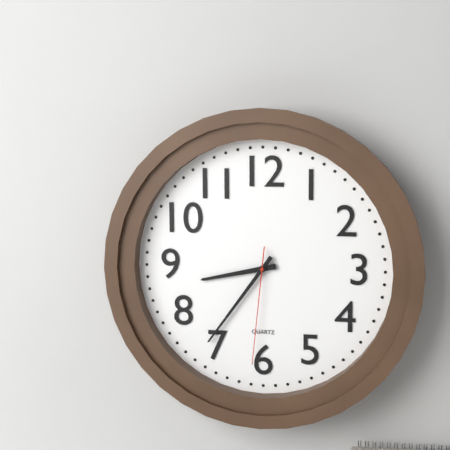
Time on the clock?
8:36:31
